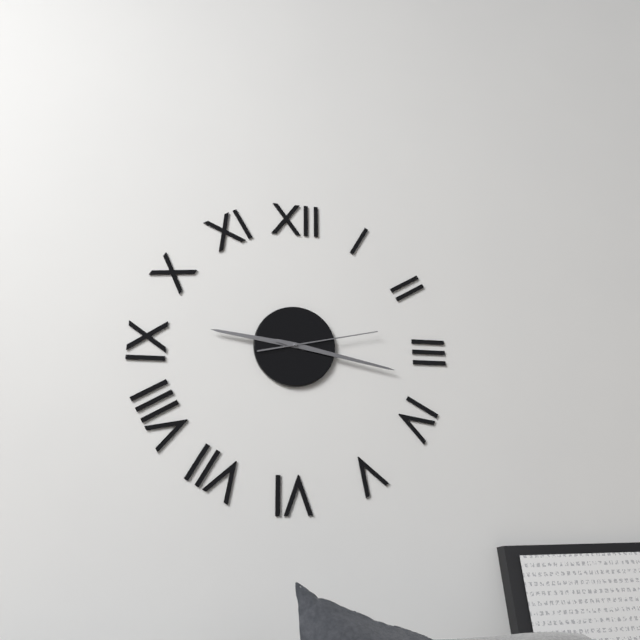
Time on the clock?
9:17:13
